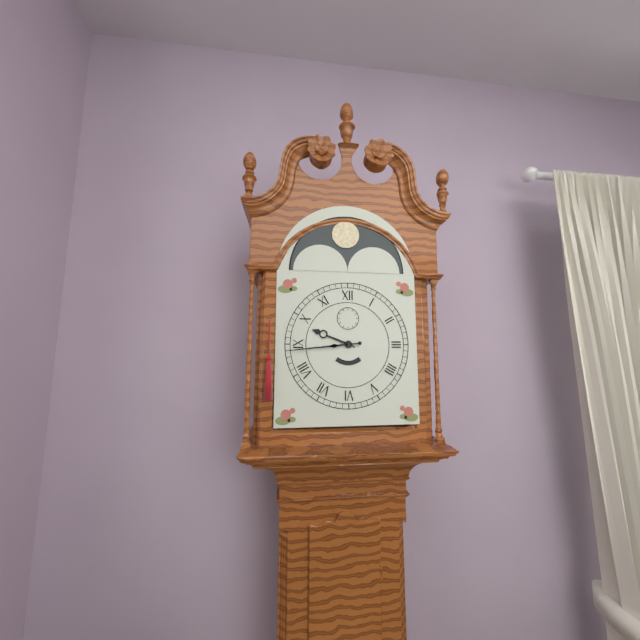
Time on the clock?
9:44
